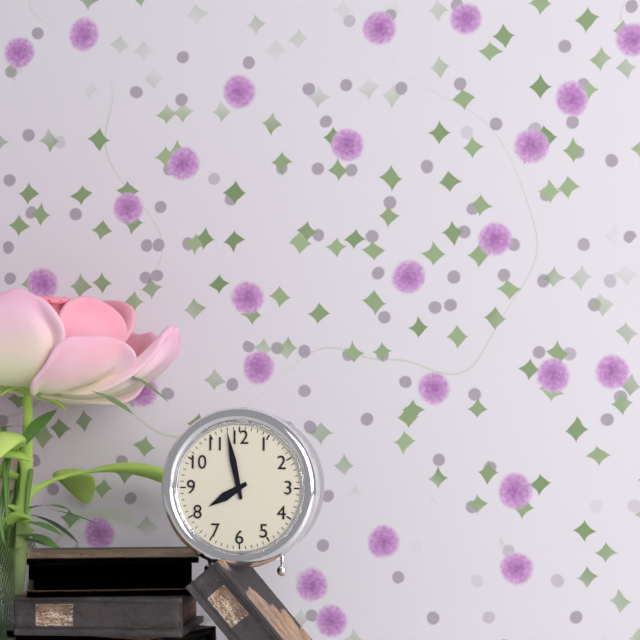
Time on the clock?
7:58
